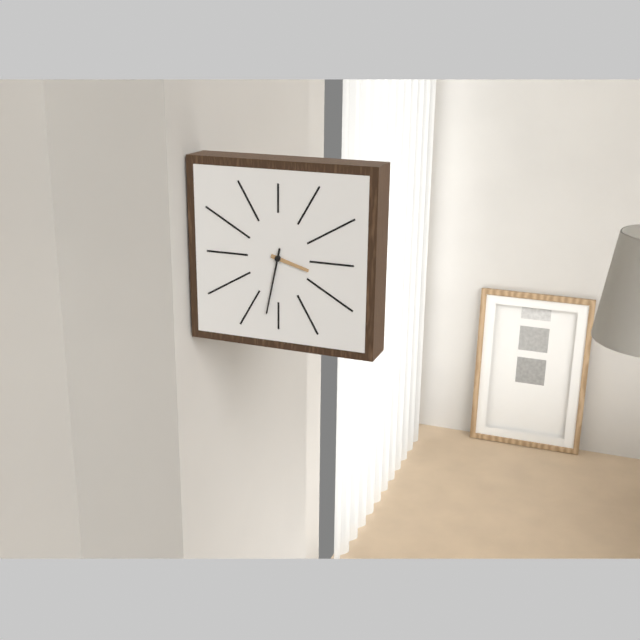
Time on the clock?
3:32
